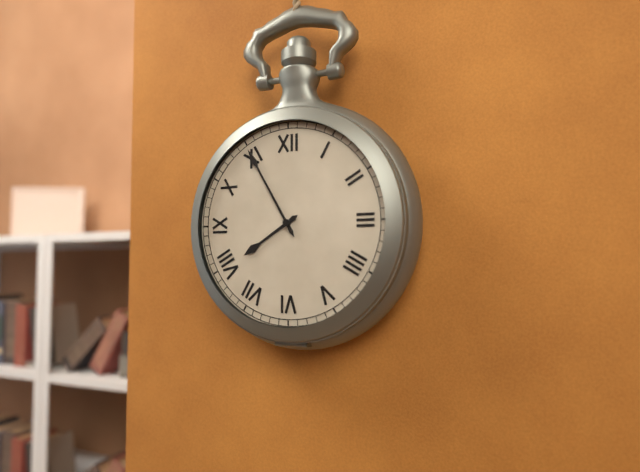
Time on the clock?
7:55
